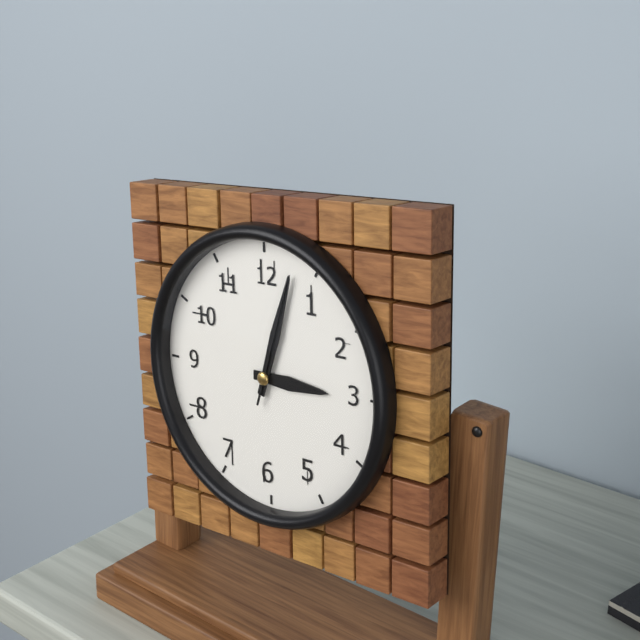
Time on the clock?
3:03:03
